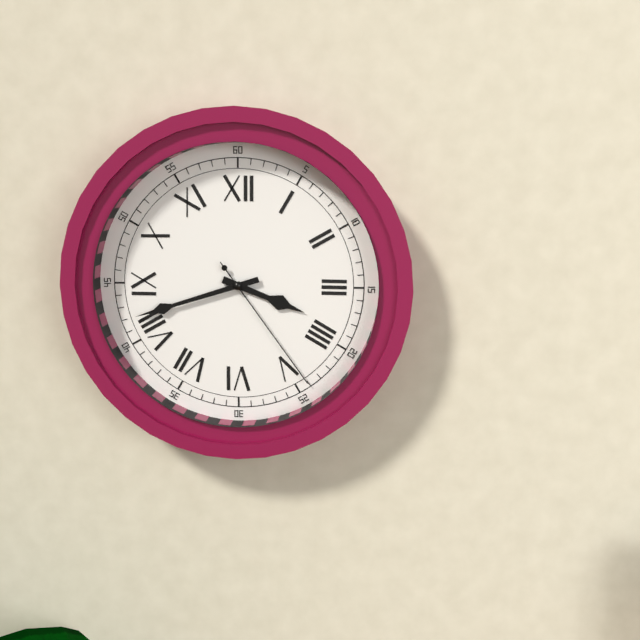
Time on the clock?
3:42:24
